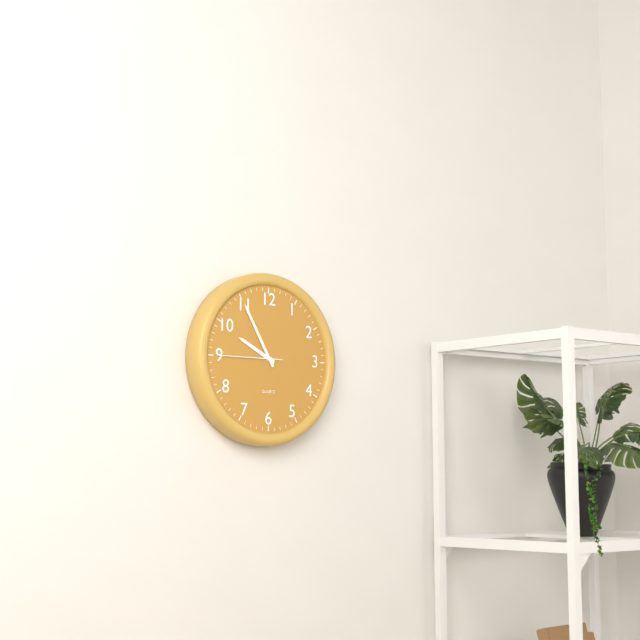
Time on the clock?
9:55:45
